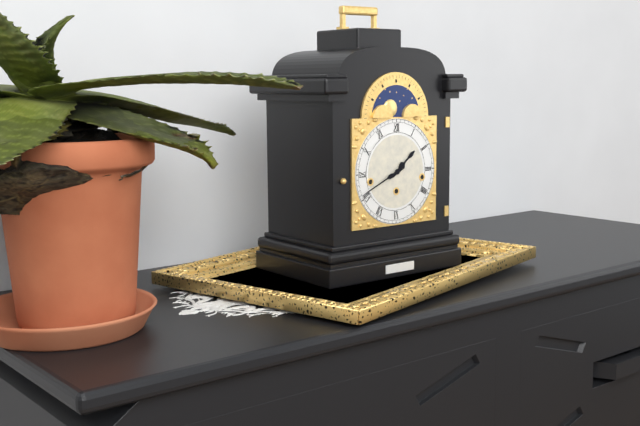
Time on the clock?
1:41
